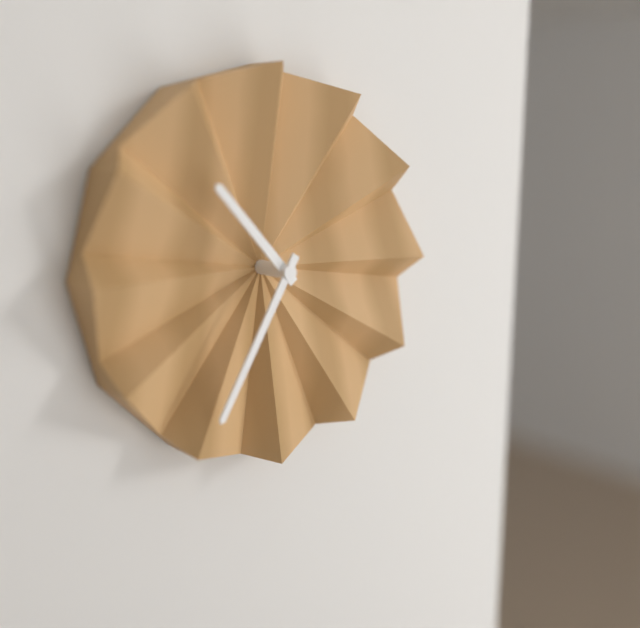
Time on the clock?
10:35
